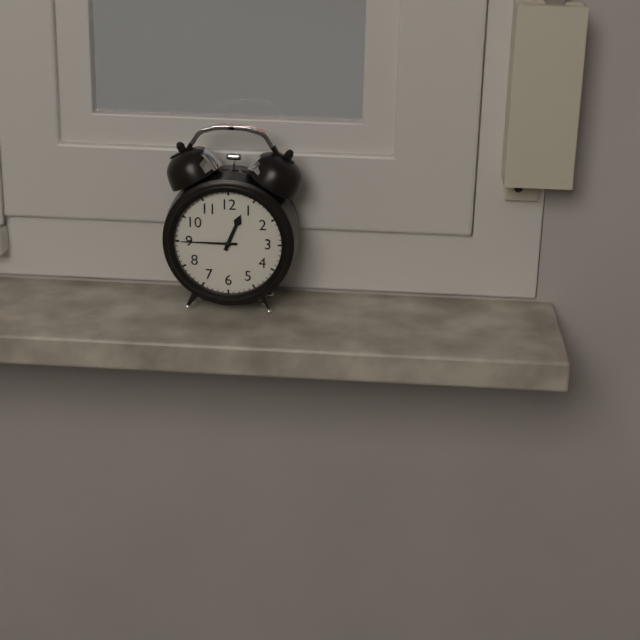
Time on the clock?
12:45
